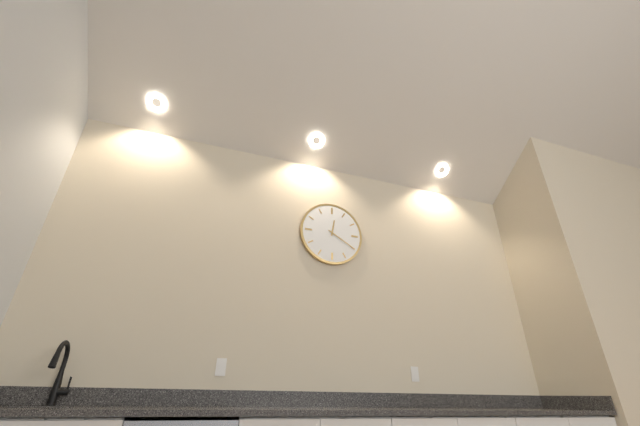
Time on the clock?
12:20
